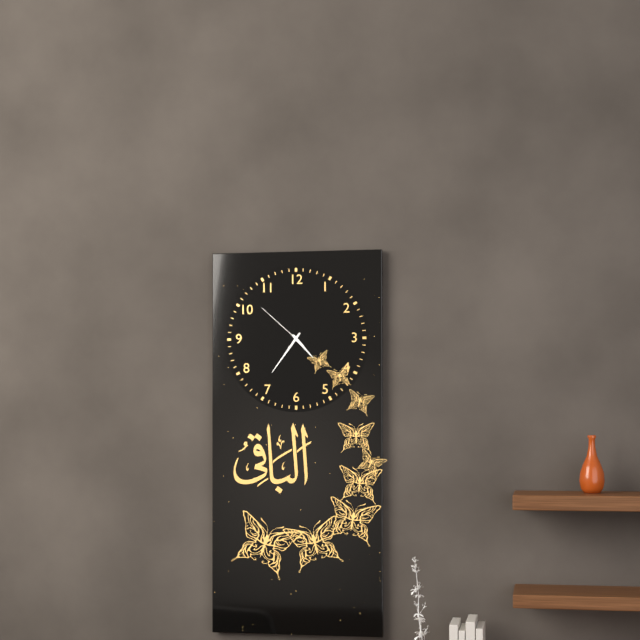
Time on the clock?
4:36:52
